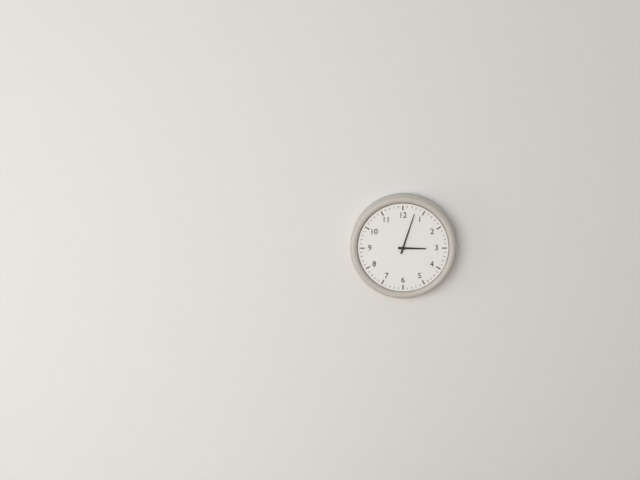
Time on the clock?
3:03
